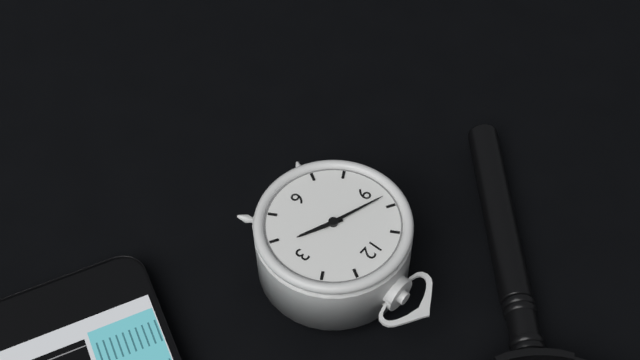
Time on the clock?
3:48
